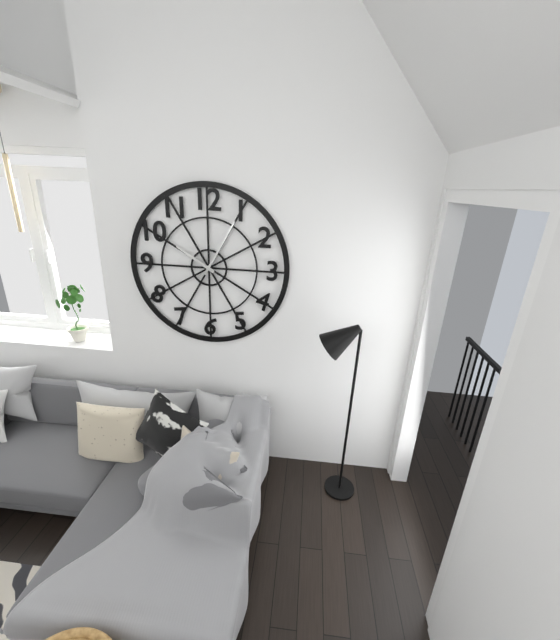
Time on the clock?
10:05
